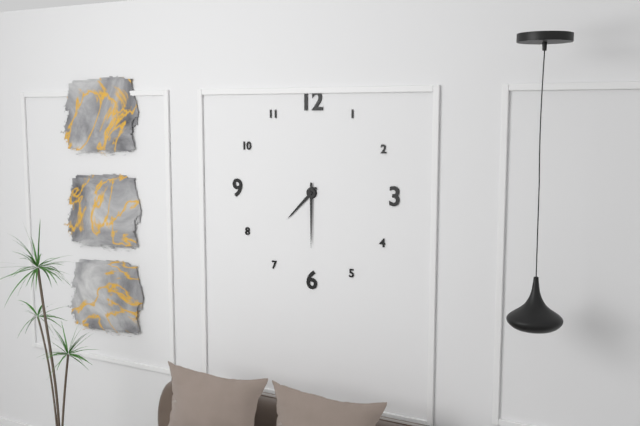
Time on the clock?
7:30
